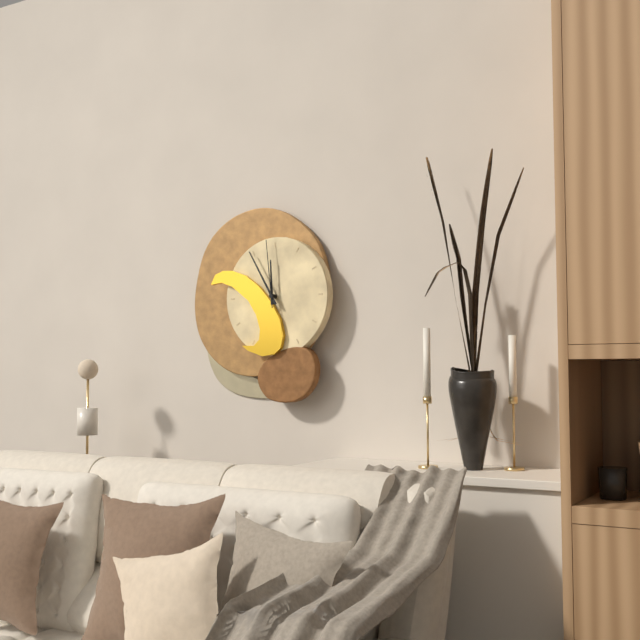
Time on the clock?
11:55:59
